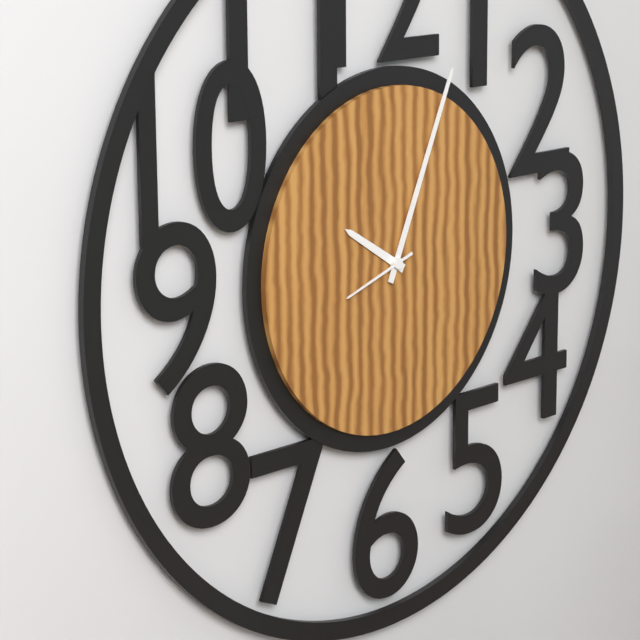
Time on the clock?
10:04:42
